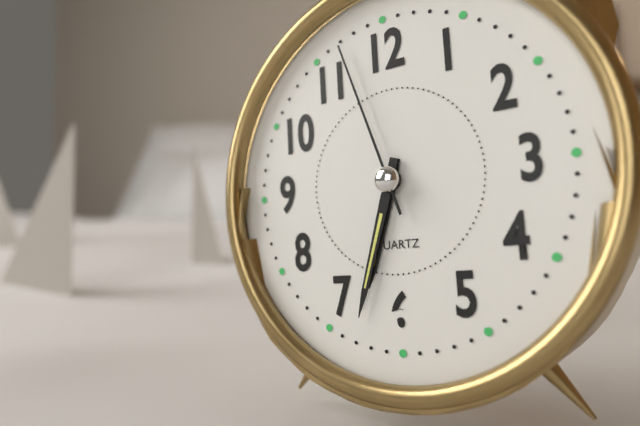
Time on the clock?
6:33:57
